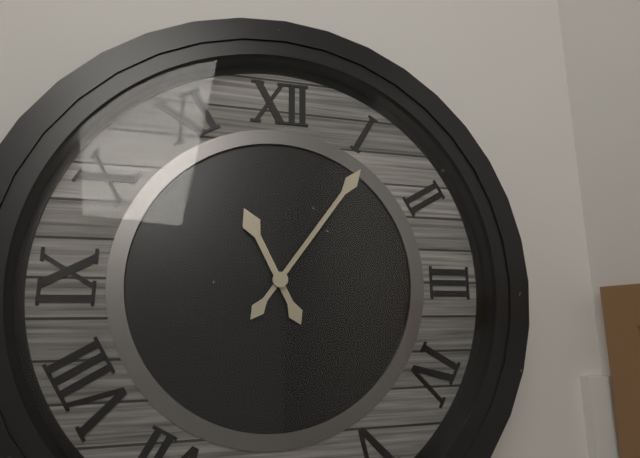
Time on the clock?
11:06
